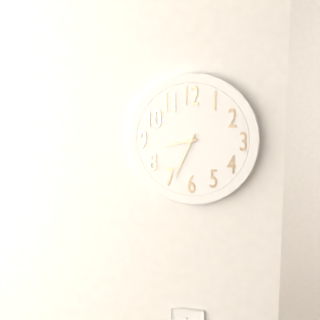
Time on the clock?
8:34
